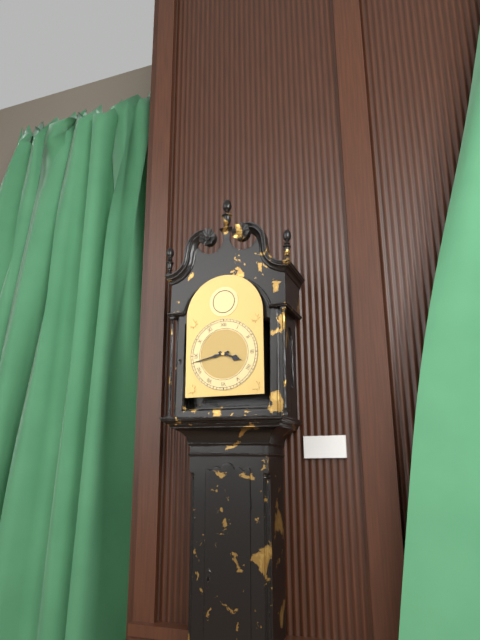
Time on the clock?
3:43
